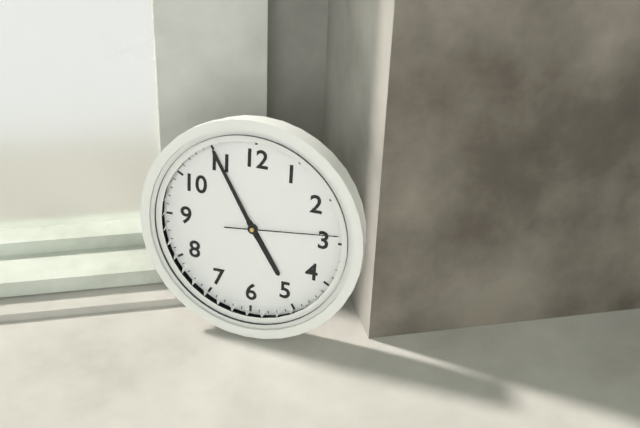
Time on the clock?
4:55:14
